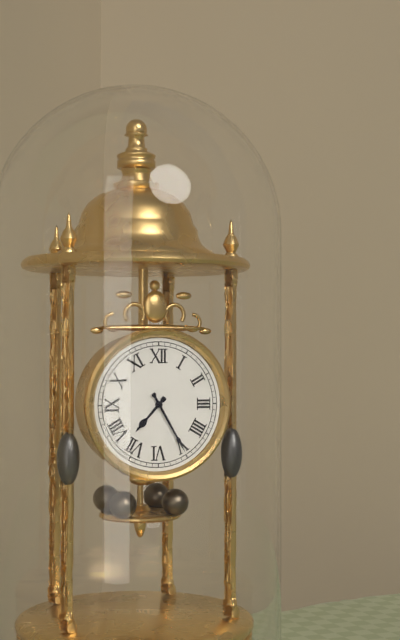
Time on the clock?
7:25
